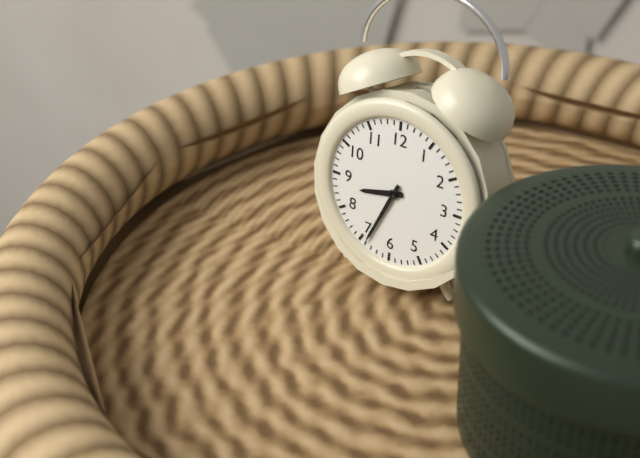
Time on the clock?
8:34
